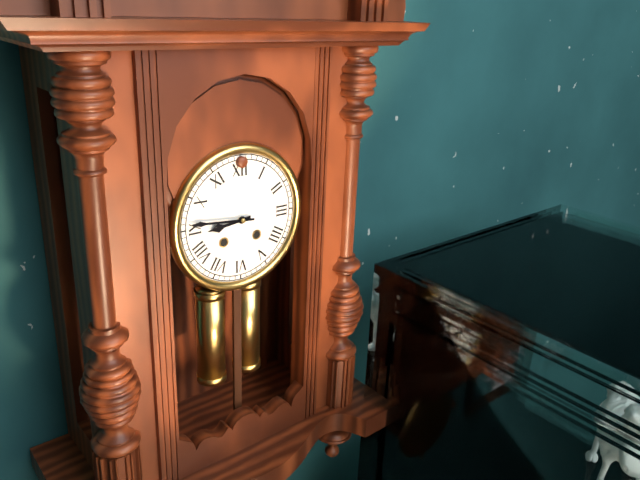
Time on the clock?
8:46
